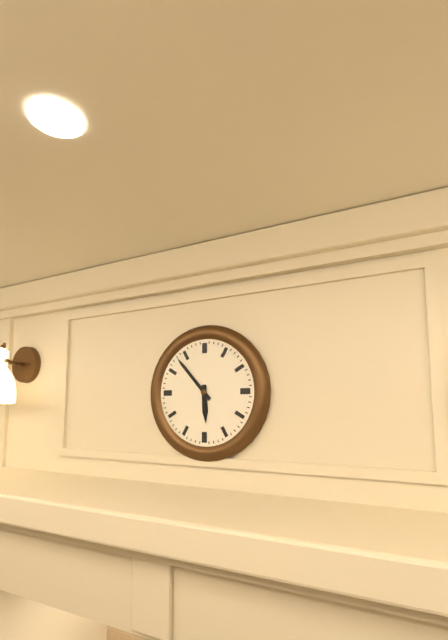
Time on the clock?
5:53
